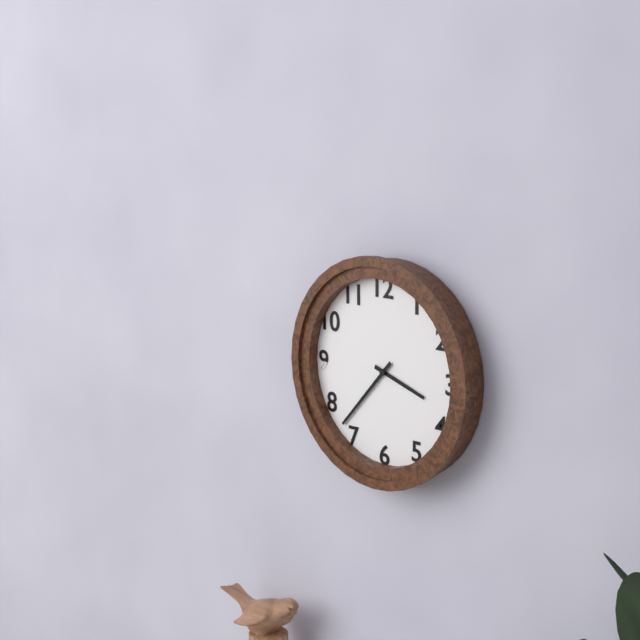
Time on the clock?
3:37
